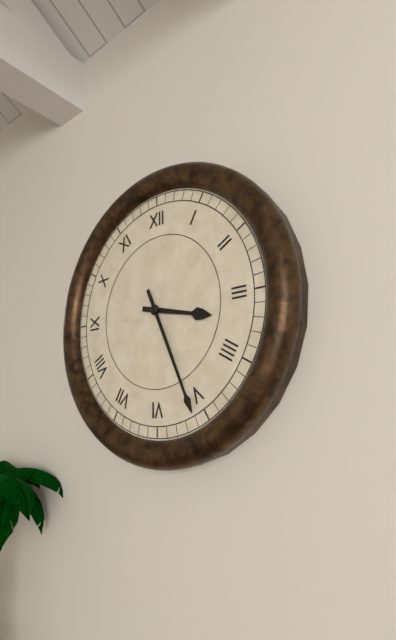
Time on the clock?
3:26
